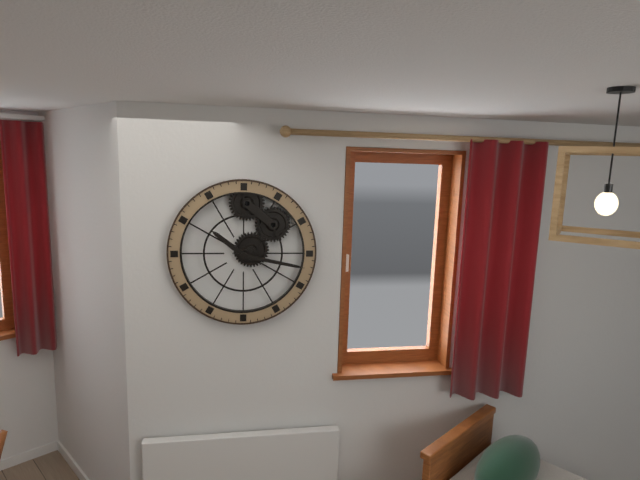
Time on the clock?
10:17
